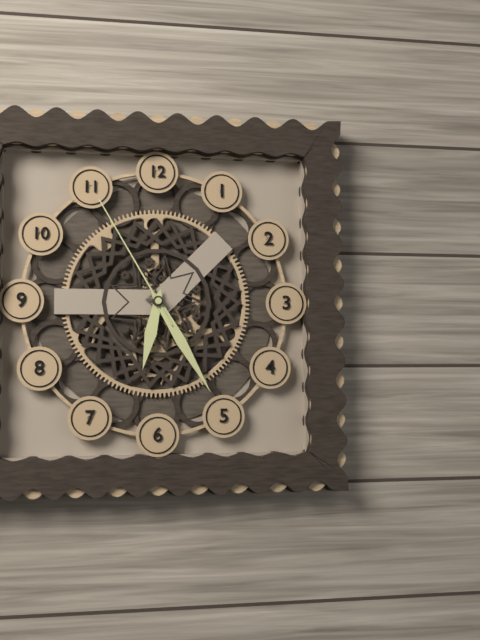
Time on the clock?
6:25:55
